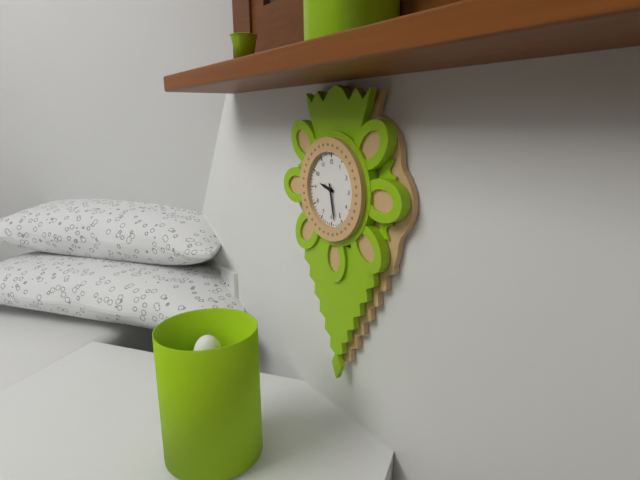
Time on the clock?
9:28
